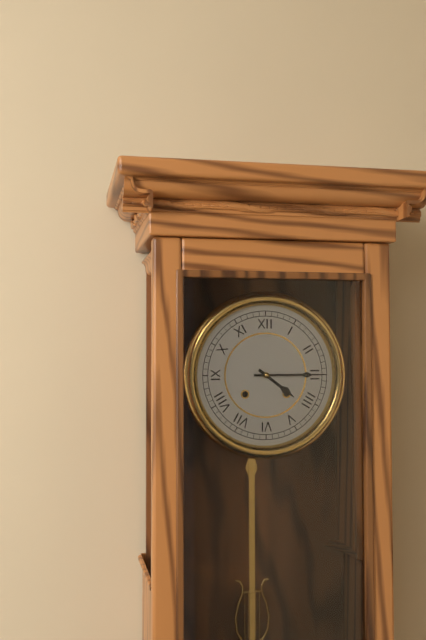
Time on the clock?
4:15
